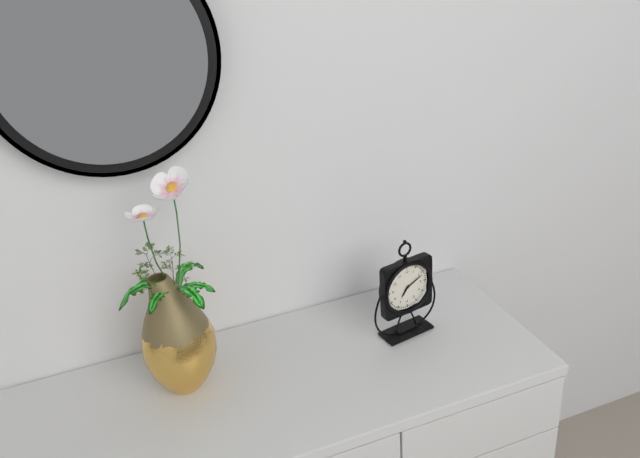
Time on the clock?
7:11
